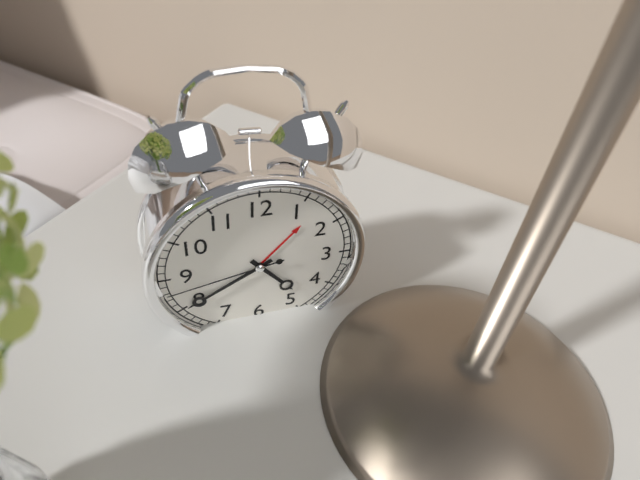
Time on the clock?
4:40:43
